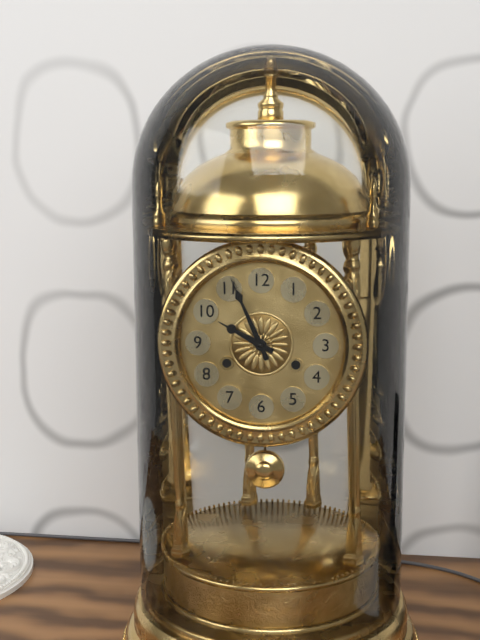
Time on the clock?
9:56
